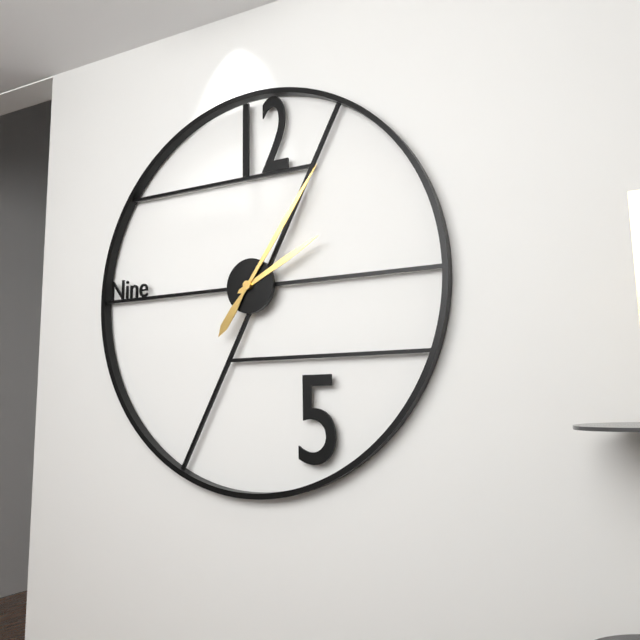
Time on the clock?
2:06
